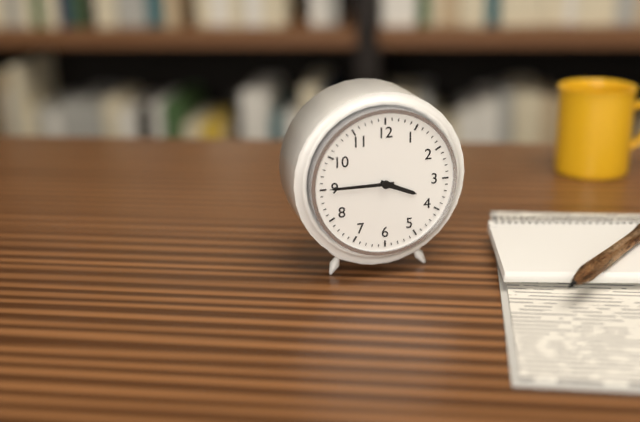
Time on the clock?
3:45
